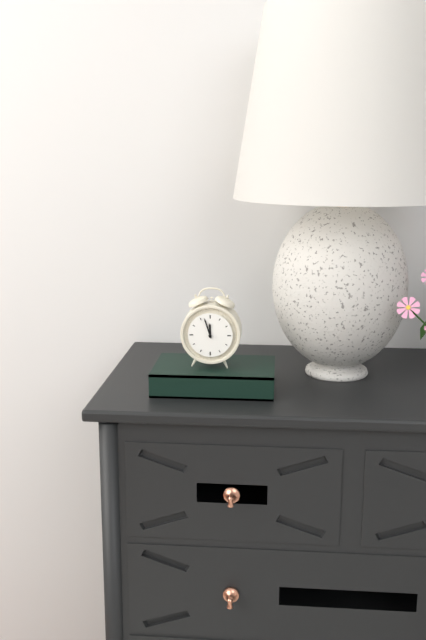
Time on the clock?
11:57
